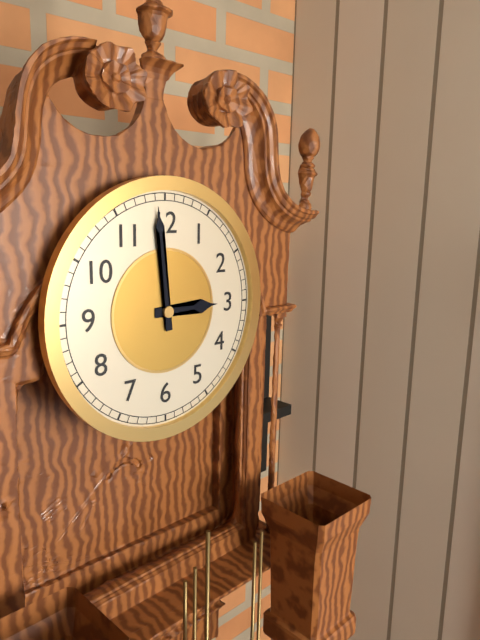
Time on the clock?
2:59
